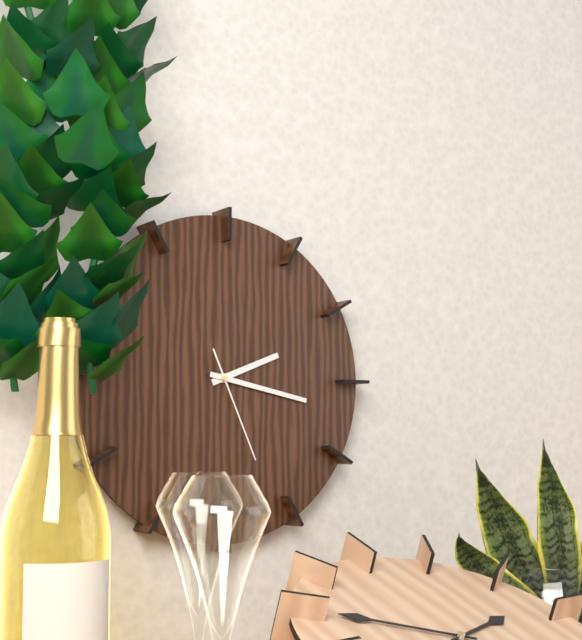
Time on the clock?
2:17:26
